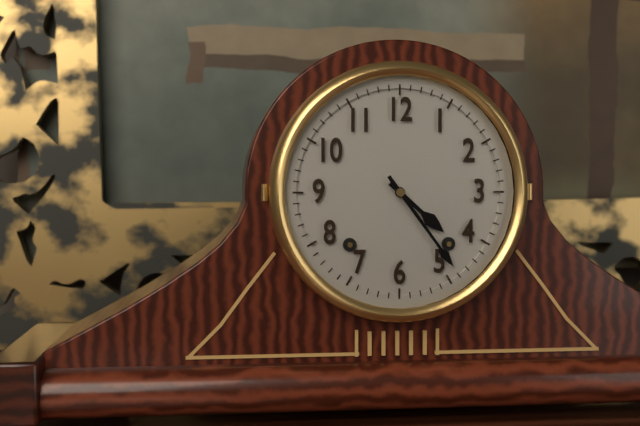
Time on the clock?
4:24
